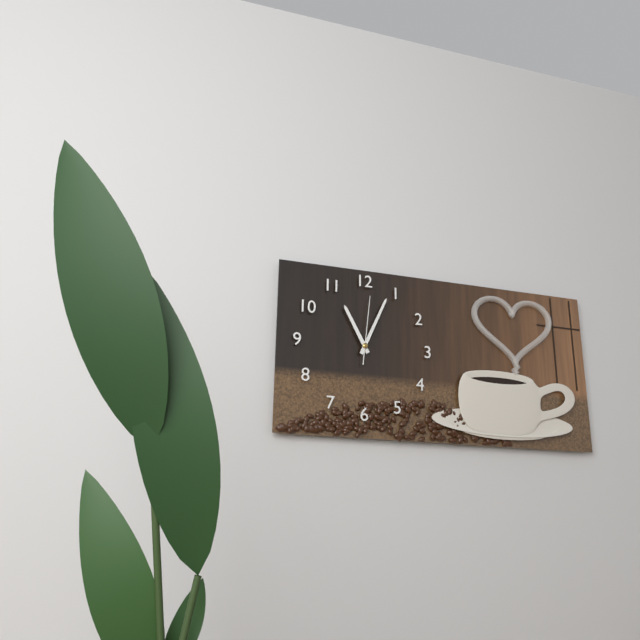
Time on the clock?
11:04:01
